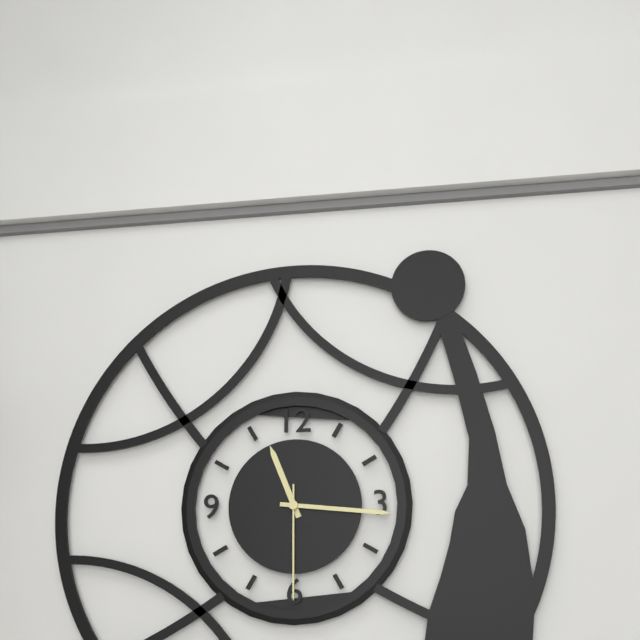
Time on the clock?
11:16:30
